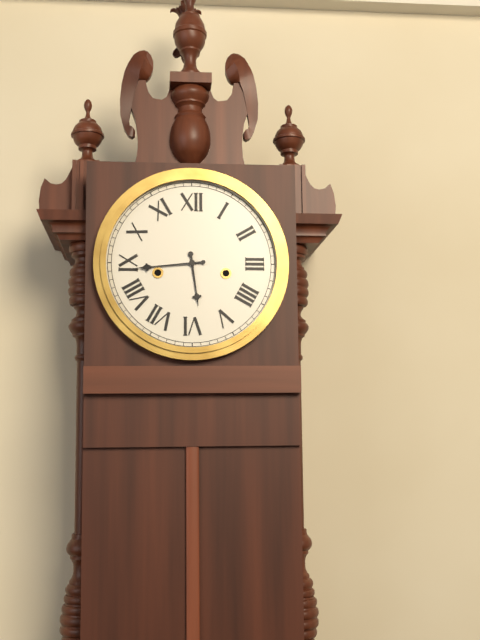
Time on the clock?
5:44
